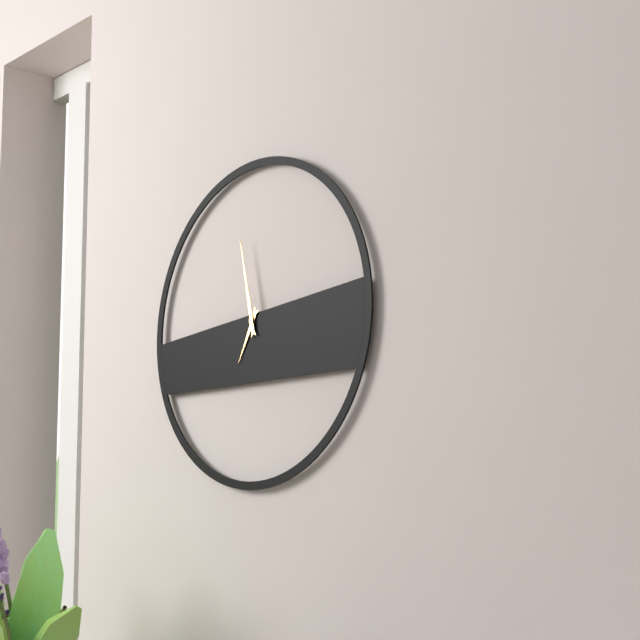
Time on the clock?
6:58
